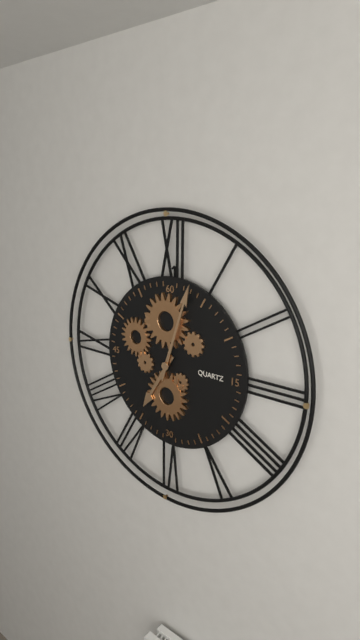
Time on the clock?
7:03
